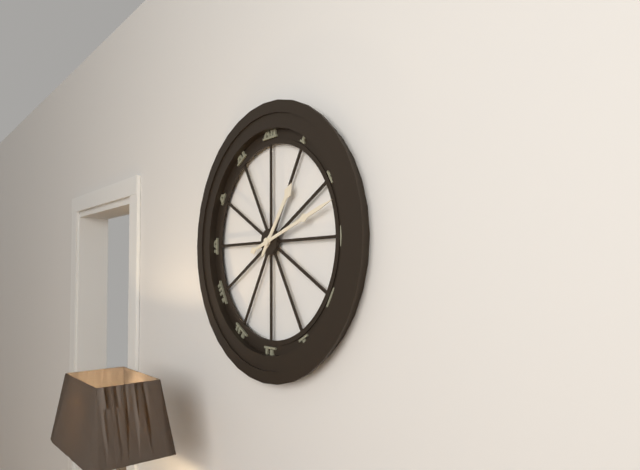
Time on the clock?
1:12
